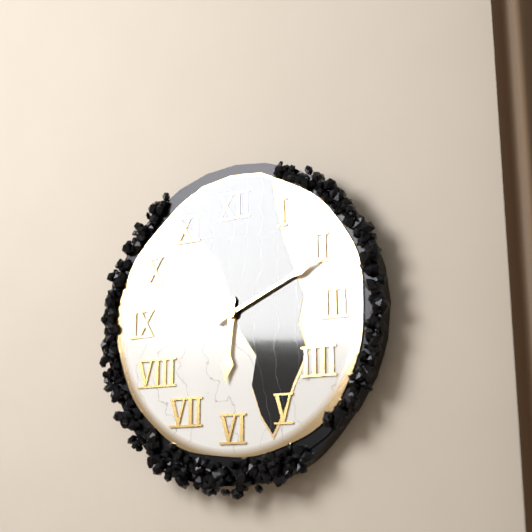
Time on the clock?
6:11
